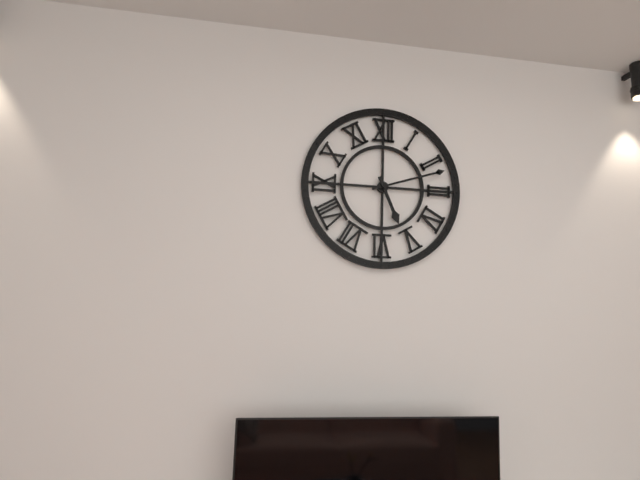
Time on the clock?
5:12
